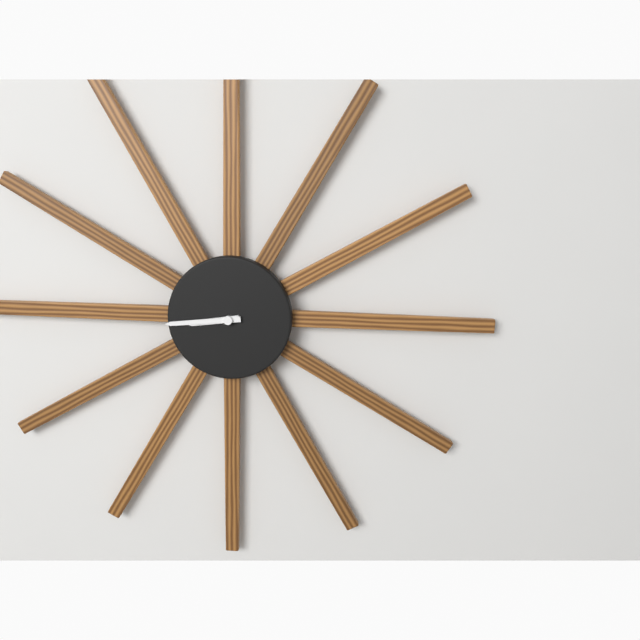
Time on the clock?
8:44
